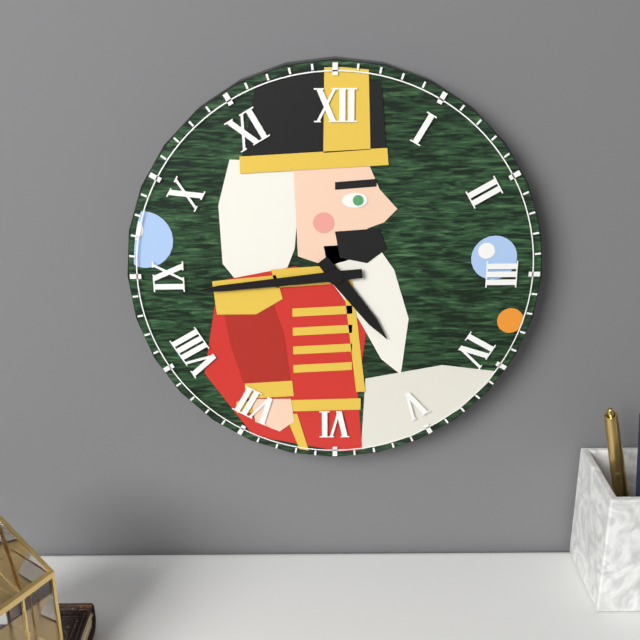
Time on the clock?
4:44
